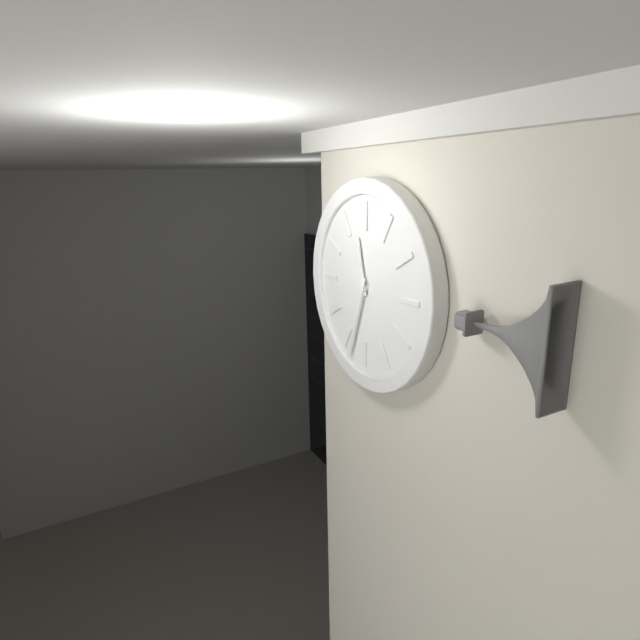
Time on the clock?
11:33
